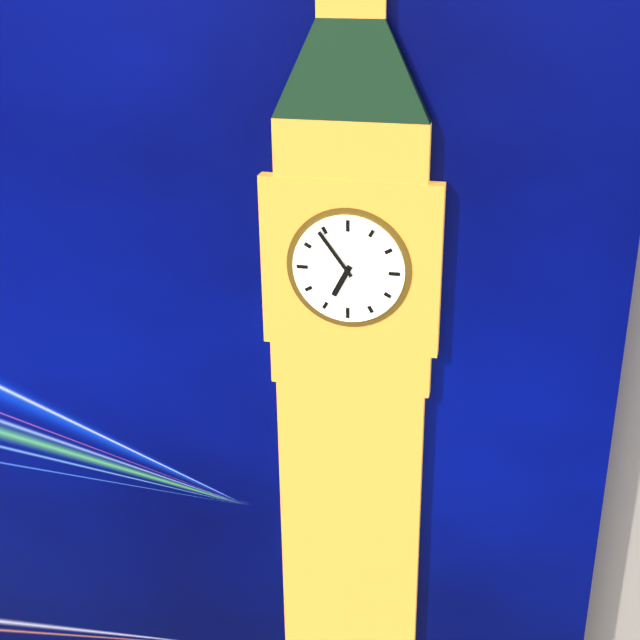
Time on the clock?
6:54
